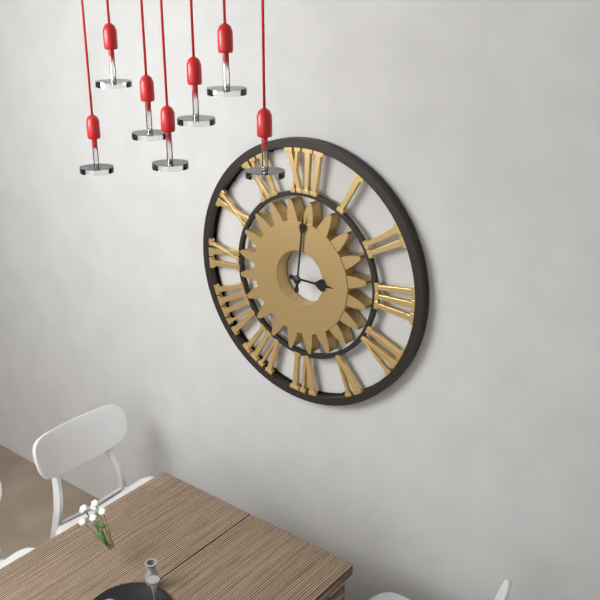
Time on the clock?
3:01
